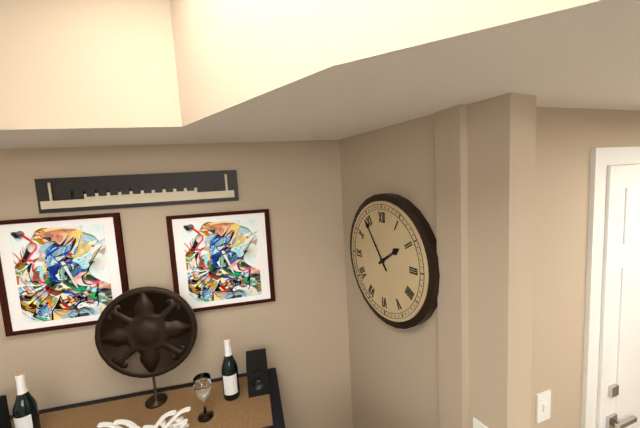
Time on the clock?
1:54
